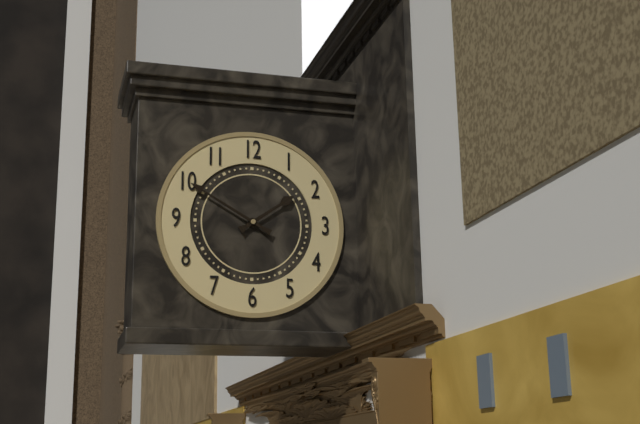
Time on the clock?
1:50
